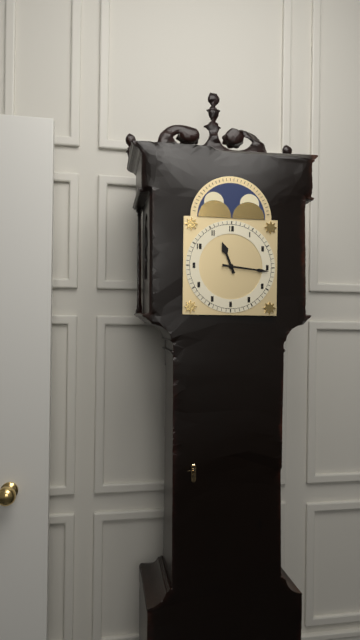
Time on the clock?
11:16
